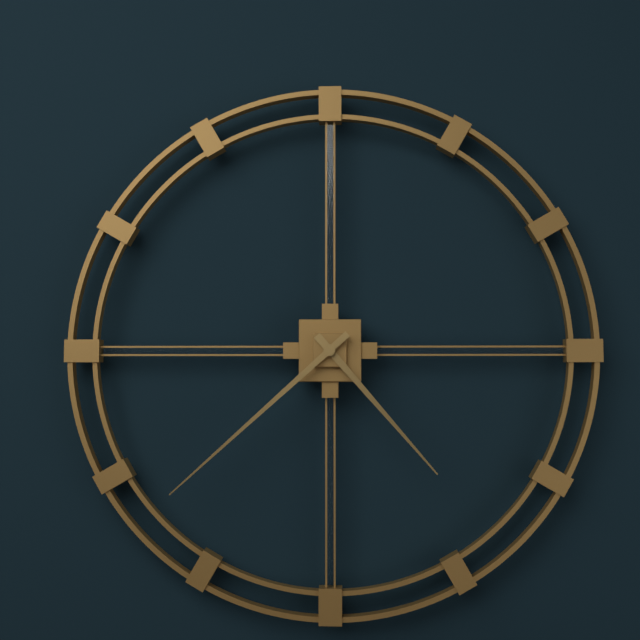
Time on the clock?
4:38
